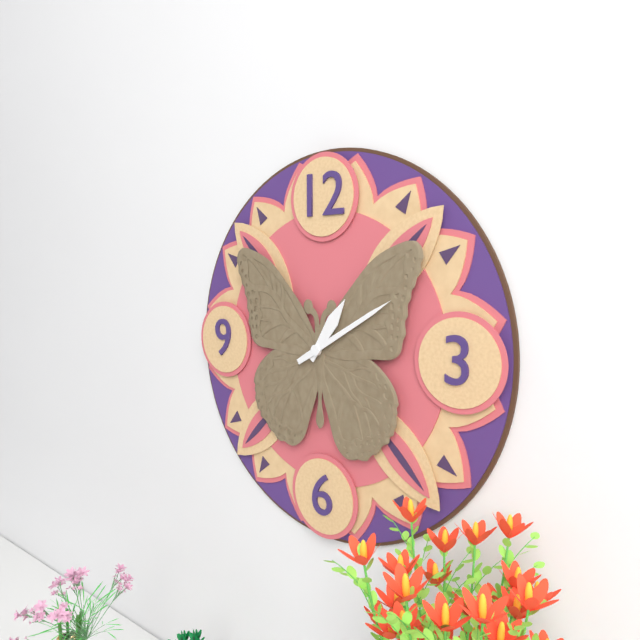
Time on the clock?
1:10
